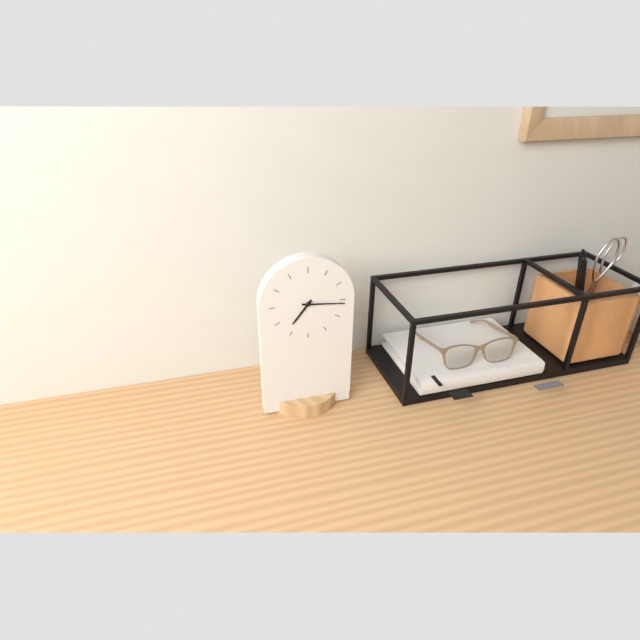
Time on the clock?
7:16
